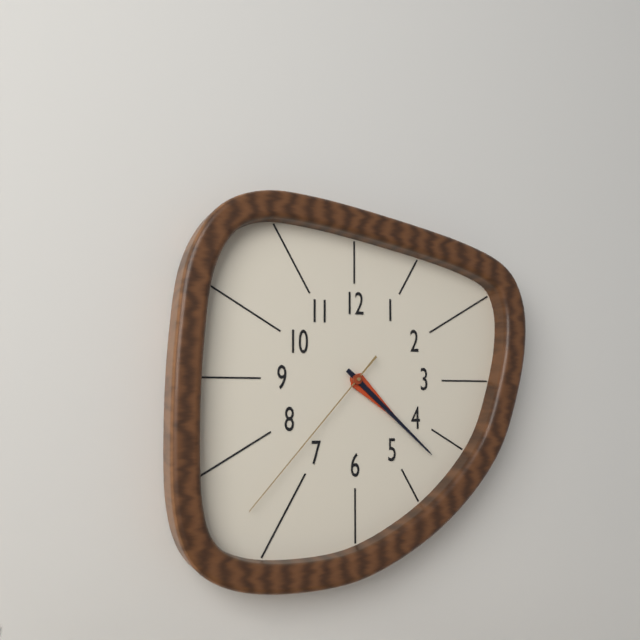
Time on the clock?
4:22:37
